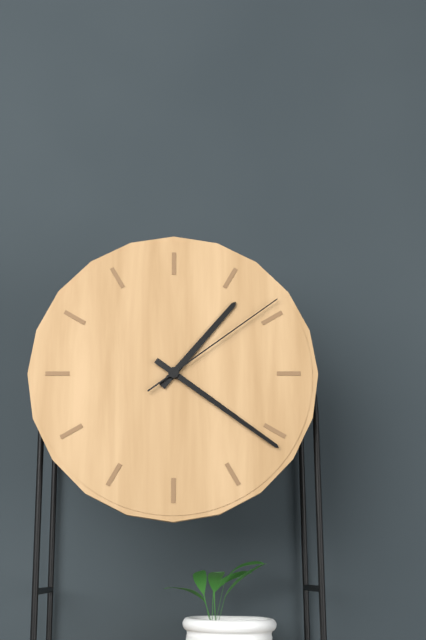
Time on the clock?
1:21:09
